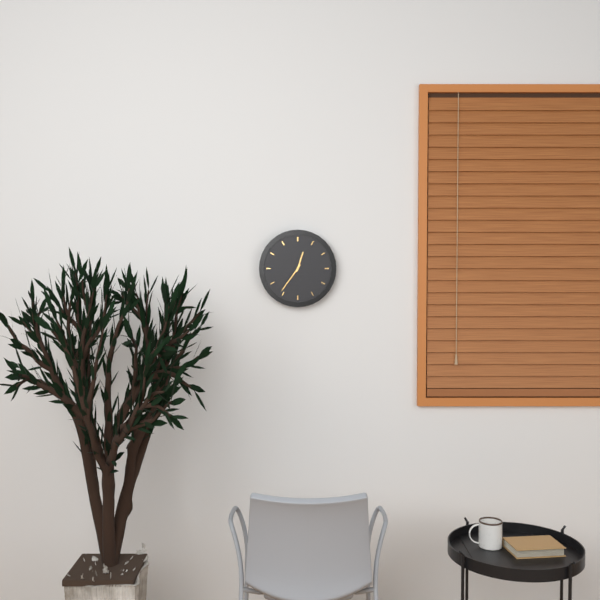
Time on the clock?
12:36
